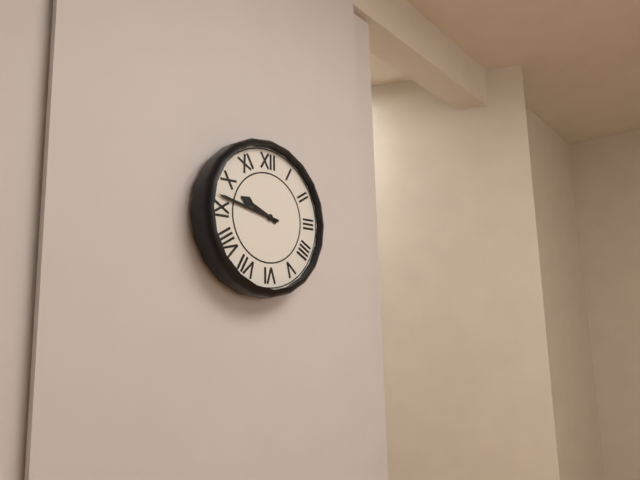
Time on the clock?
9:47
